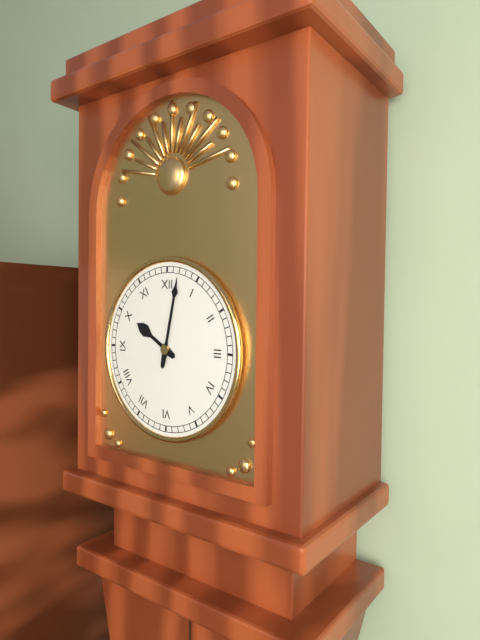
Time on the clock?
10:02
